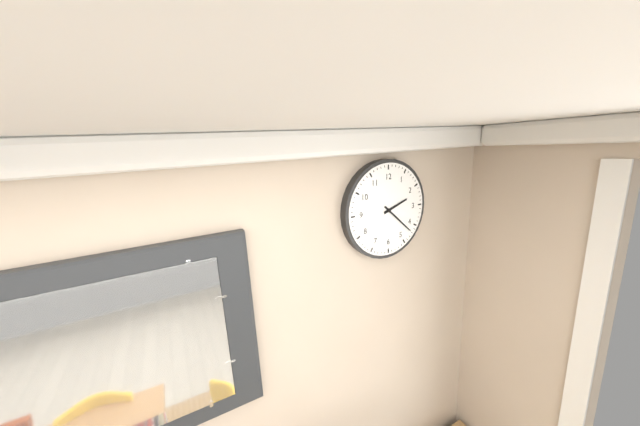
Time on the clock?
2:22
